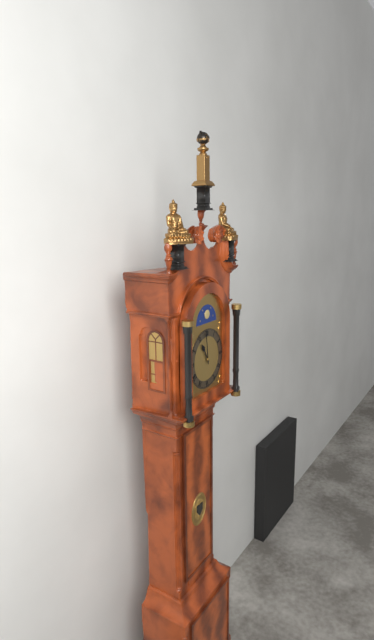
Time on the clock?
10:59
